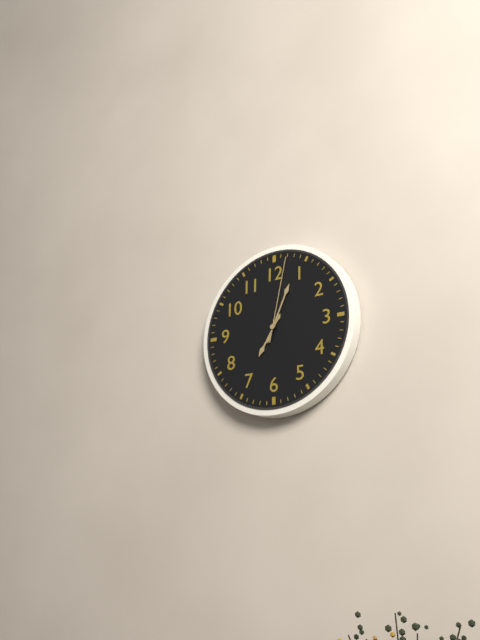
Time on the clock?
7:04:02
